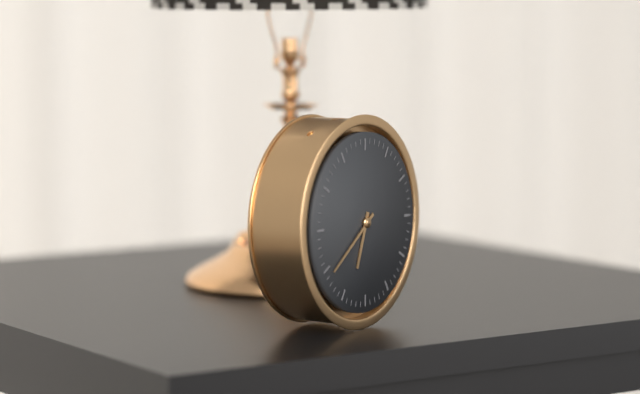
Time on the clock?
6:39
